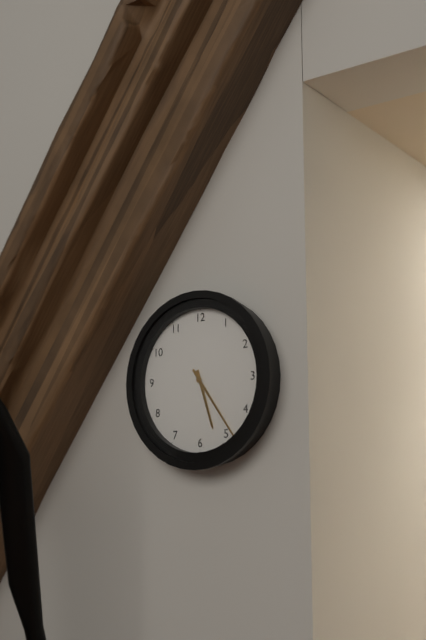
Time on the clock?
5:24
